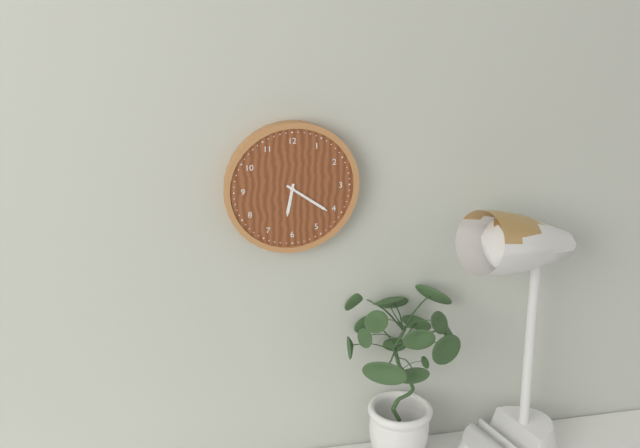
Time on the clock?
6:21
